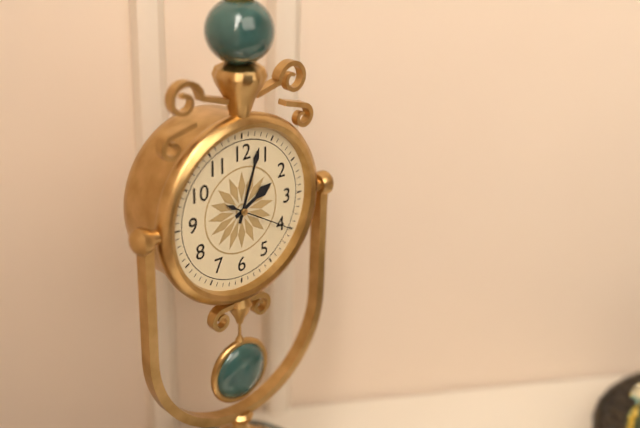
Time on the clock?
2:03:20
